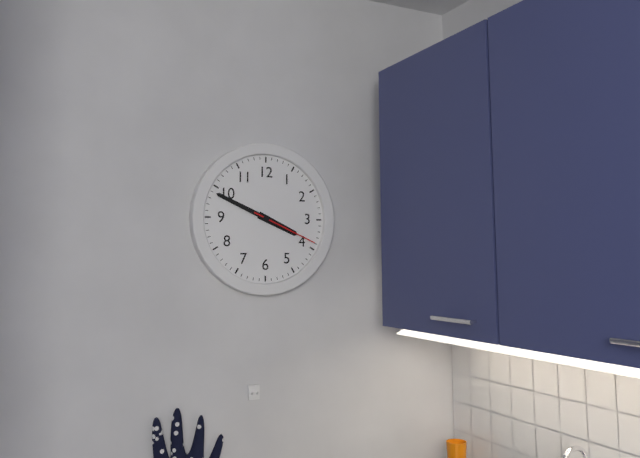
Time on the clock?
3:49:19
